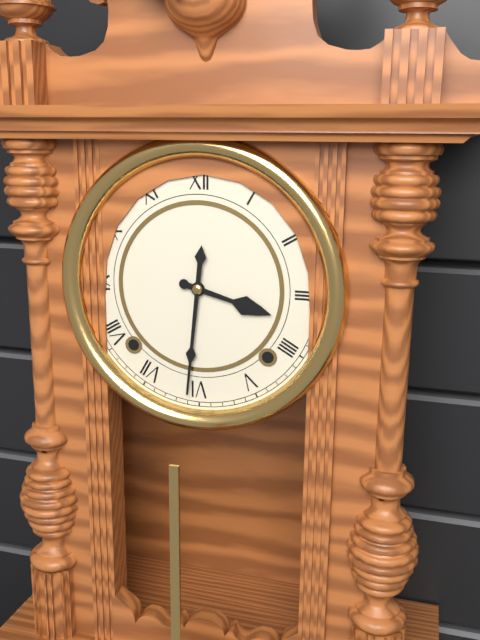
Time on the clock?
3:31
